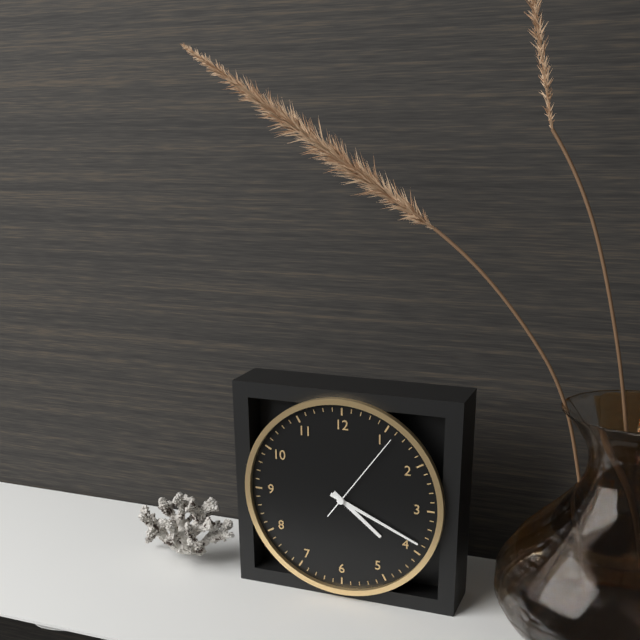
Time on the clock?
4:19:06
